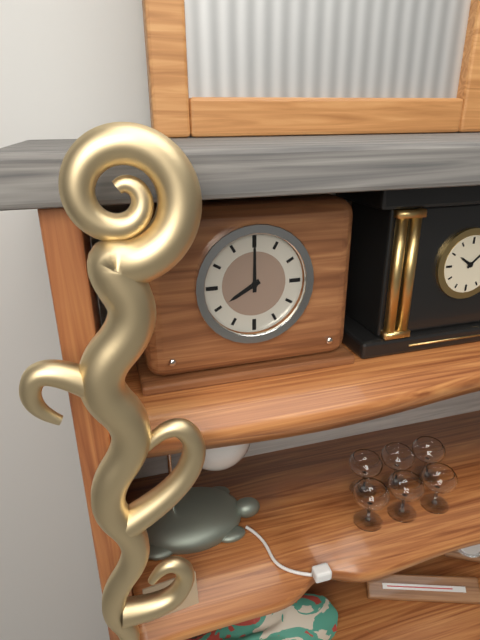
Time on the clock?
8:00
